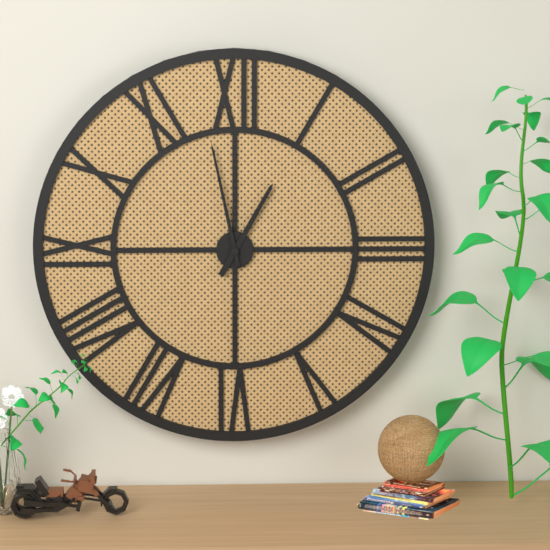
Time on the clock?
12:58
